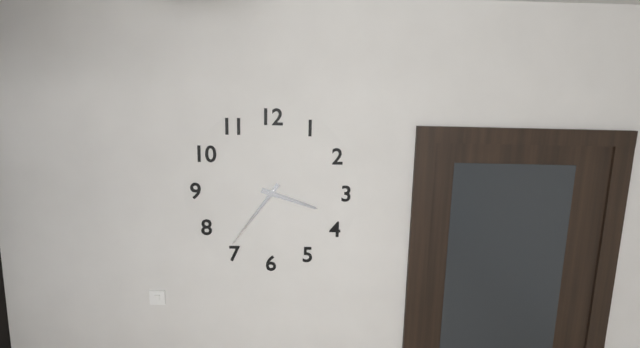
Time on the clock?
3:36
